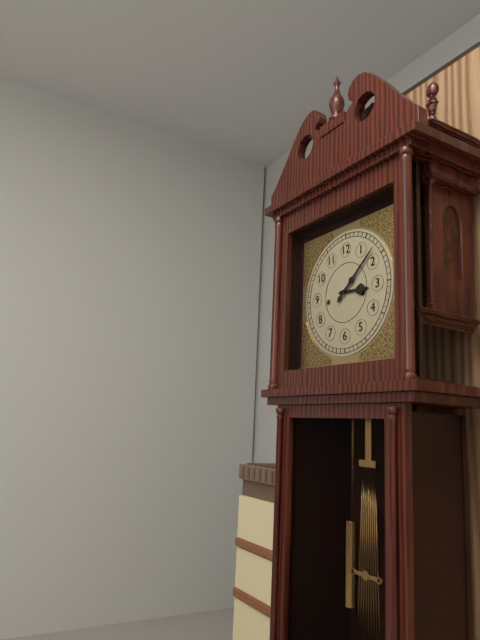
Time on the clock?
3:08
